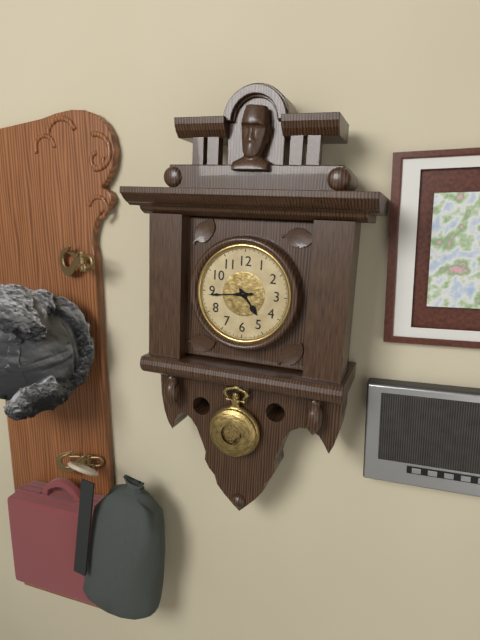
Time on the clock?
4:44
